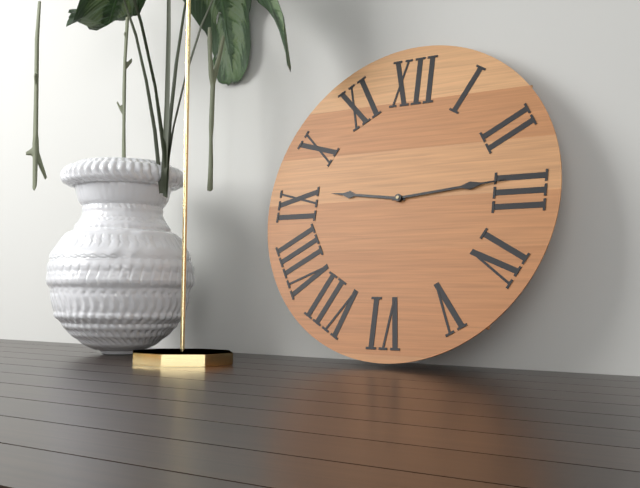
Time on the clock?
9:14
